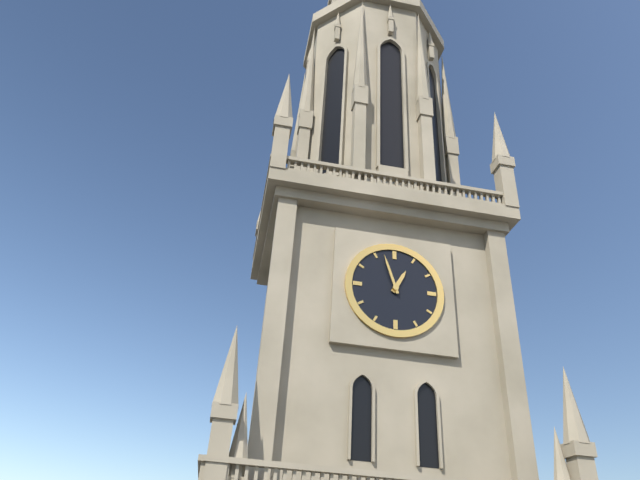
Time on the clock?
12:57
